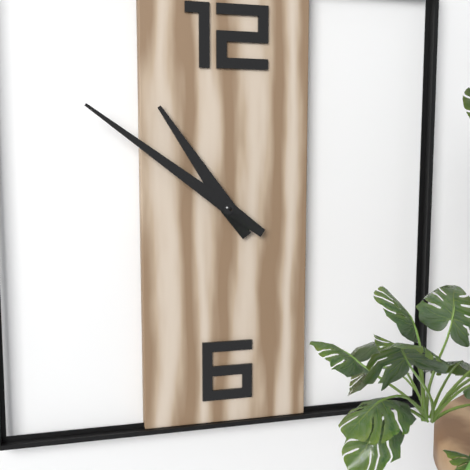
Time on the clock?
10:51
